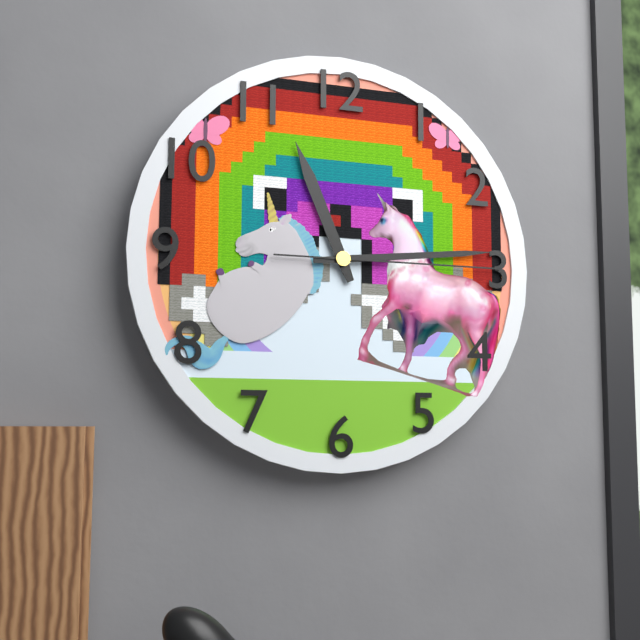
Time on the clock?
11:14:15
